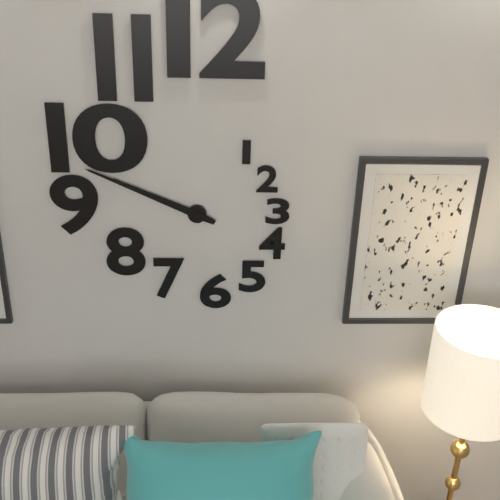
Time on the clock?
9:49
